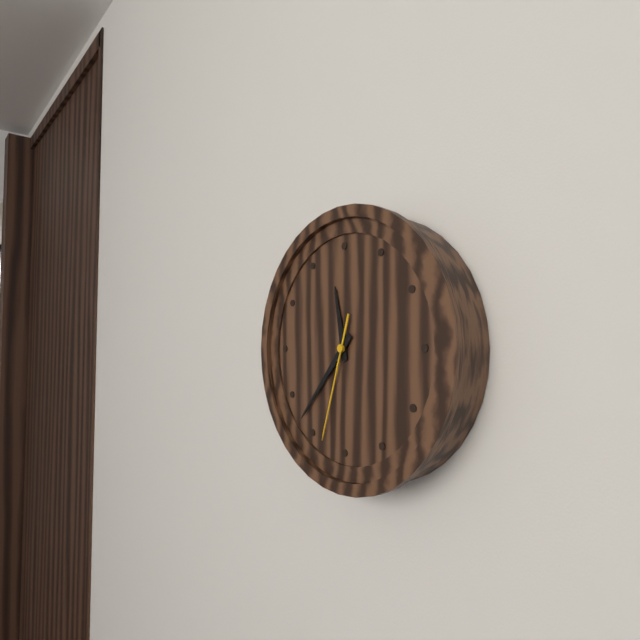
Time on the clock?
11:37:33
